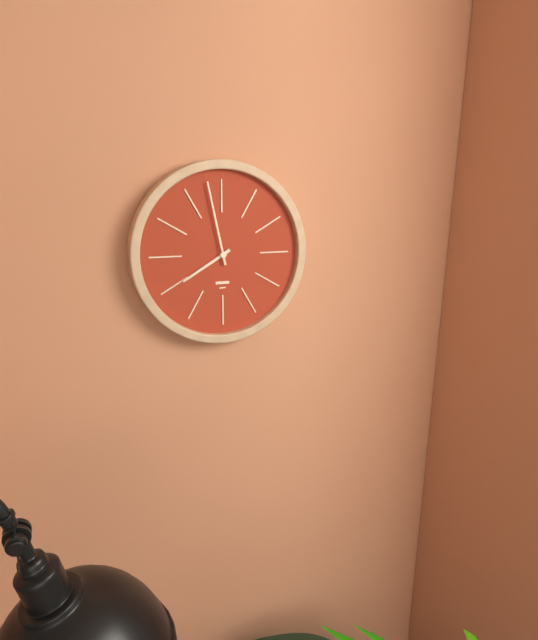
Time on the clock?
7:58
